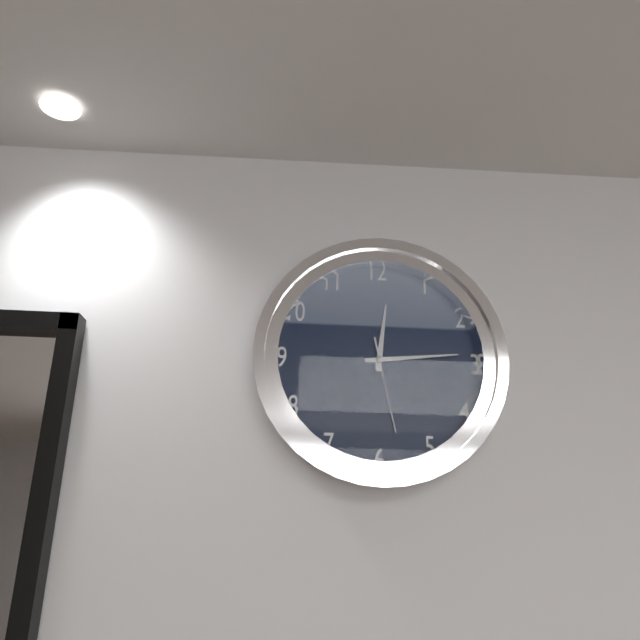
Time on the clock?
12:14:28
